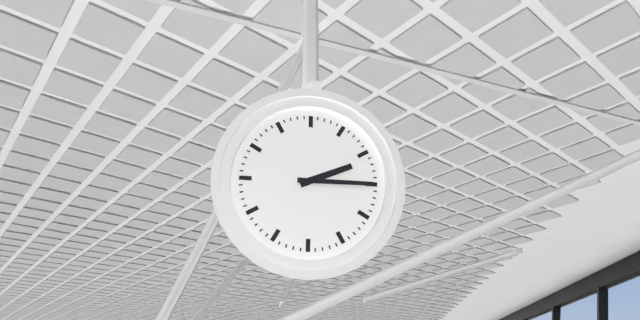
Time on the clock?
2:15
